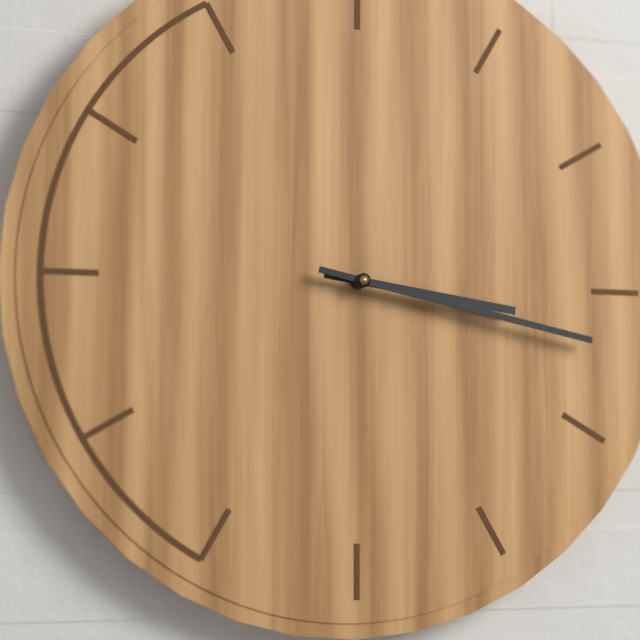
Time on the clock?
3:17
